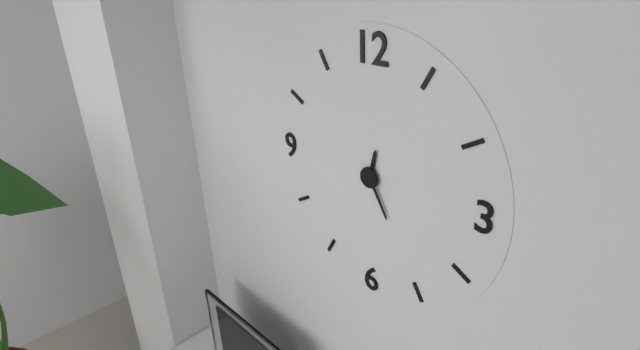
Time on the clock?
12:25
